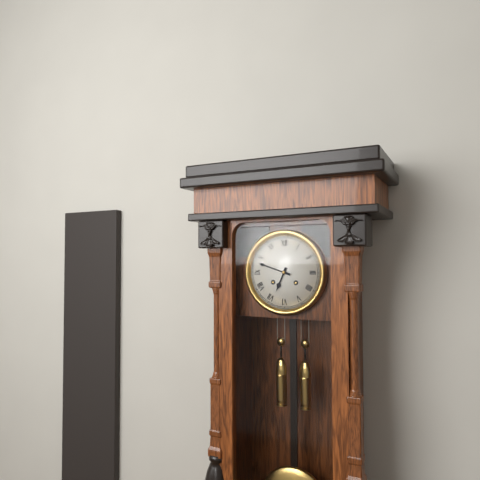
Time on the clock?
6:48
